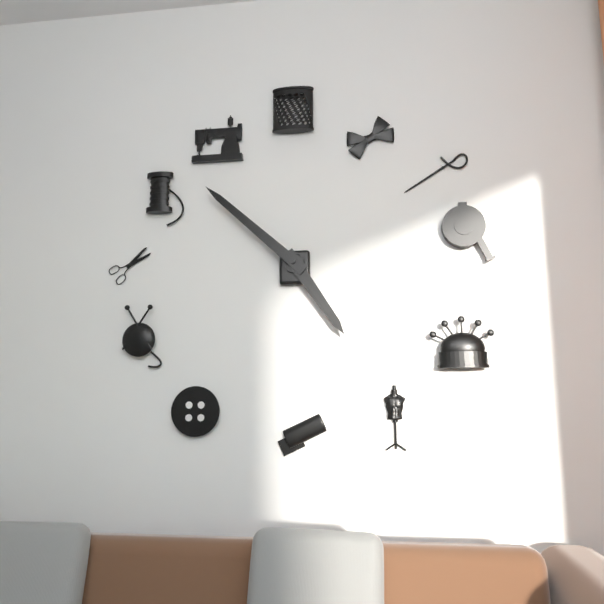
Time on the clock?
4:52
